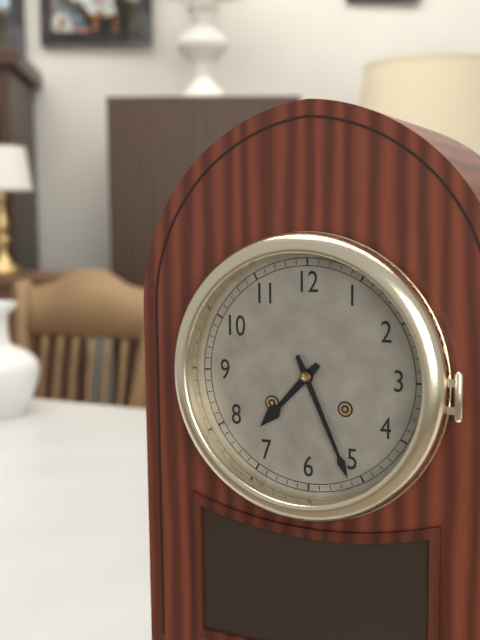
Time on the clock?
7:26
